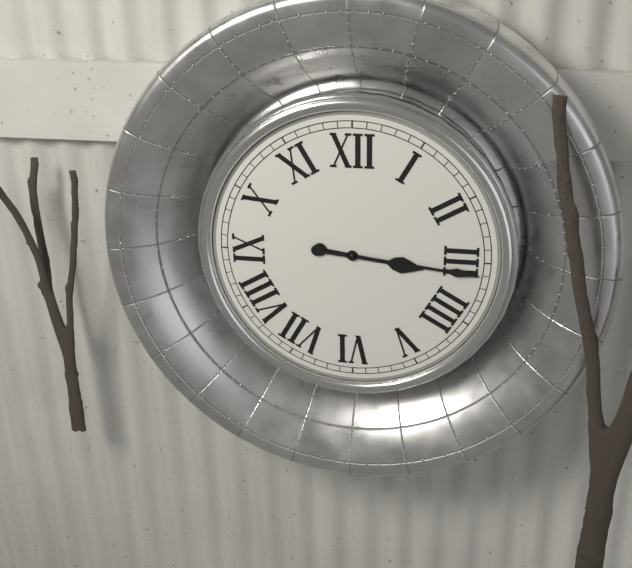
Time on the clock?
3:16
